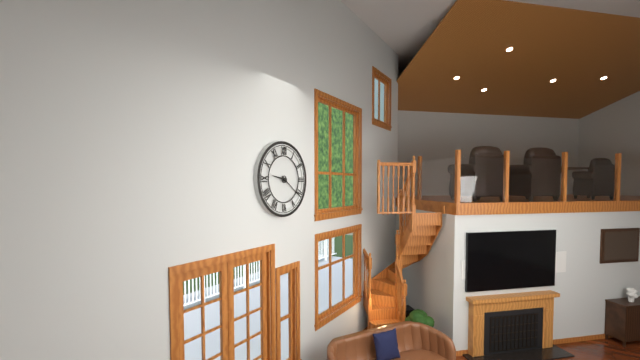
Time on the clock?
9:21
